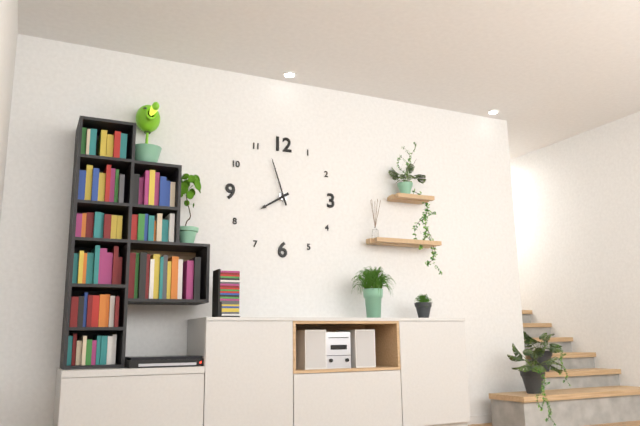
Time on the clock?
7:57
